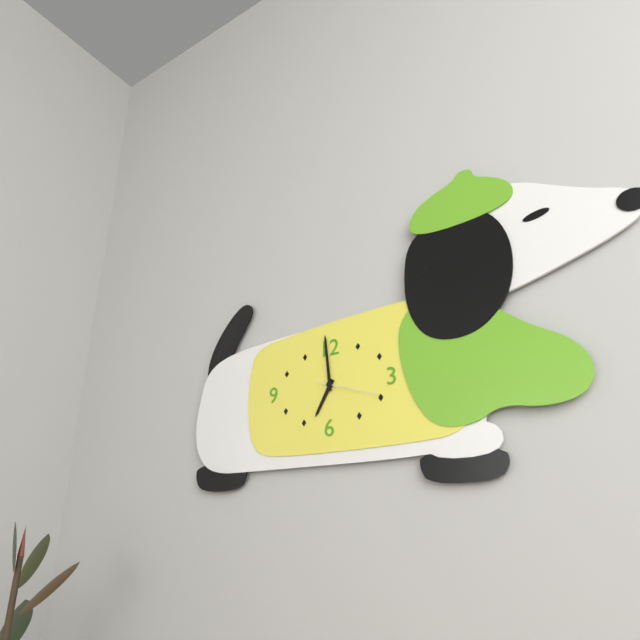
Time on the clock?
6:59:18
